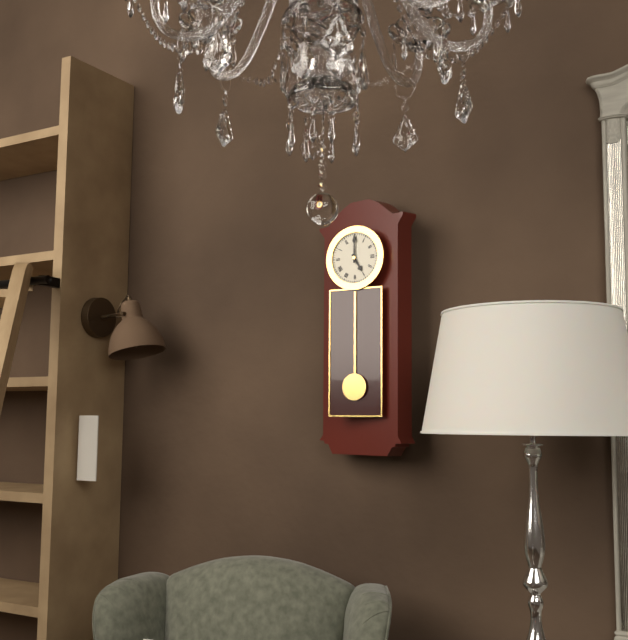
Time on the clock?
5:00
